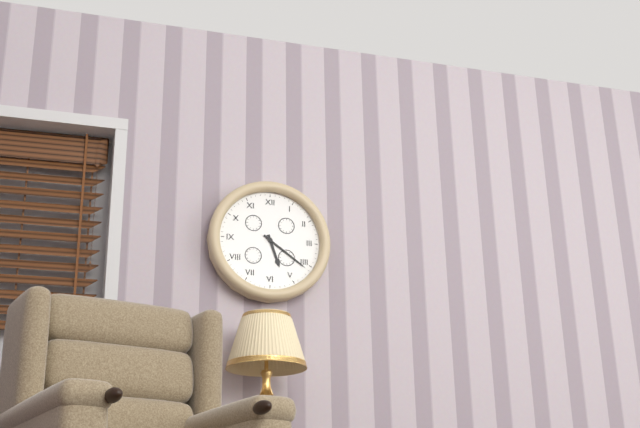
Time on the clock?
5:21
